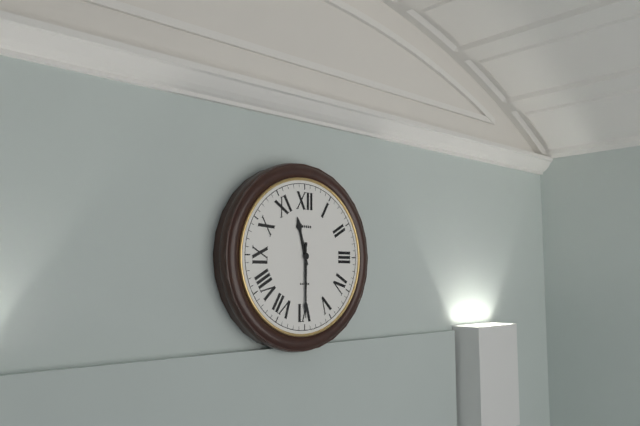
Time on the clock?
11:30
